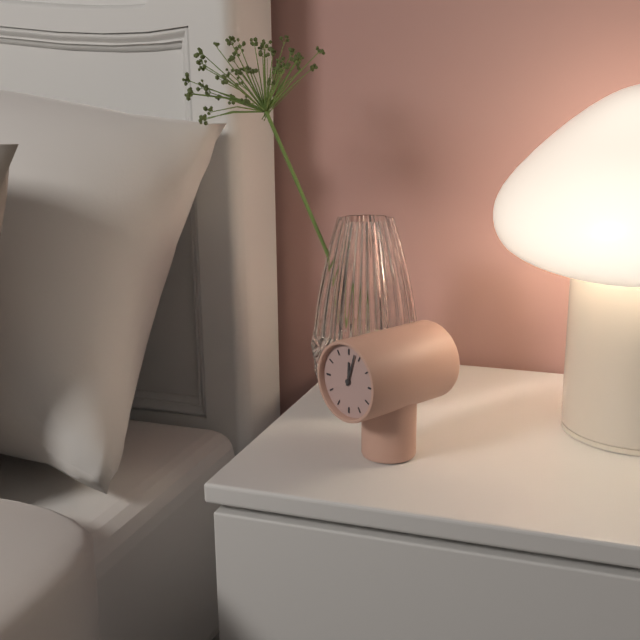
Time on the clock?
12:03
